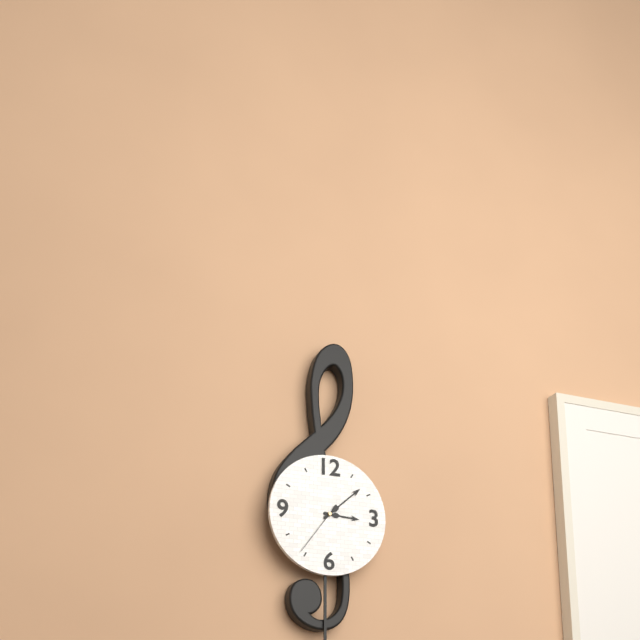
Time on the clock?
3:08:36
